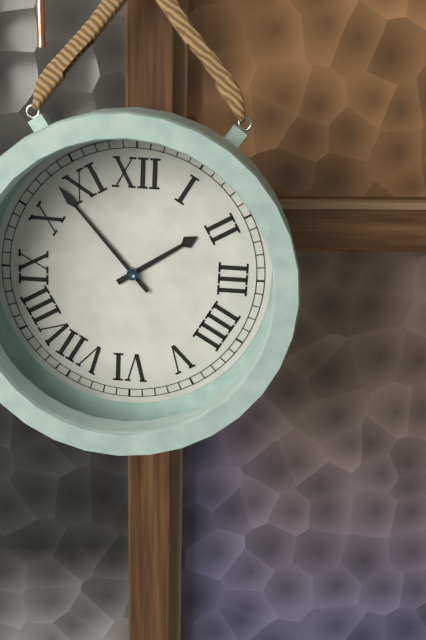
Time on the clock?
1:53
